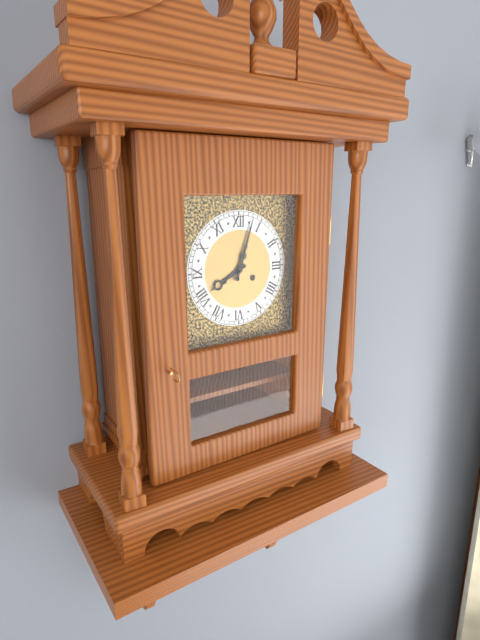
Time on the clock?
8:03
